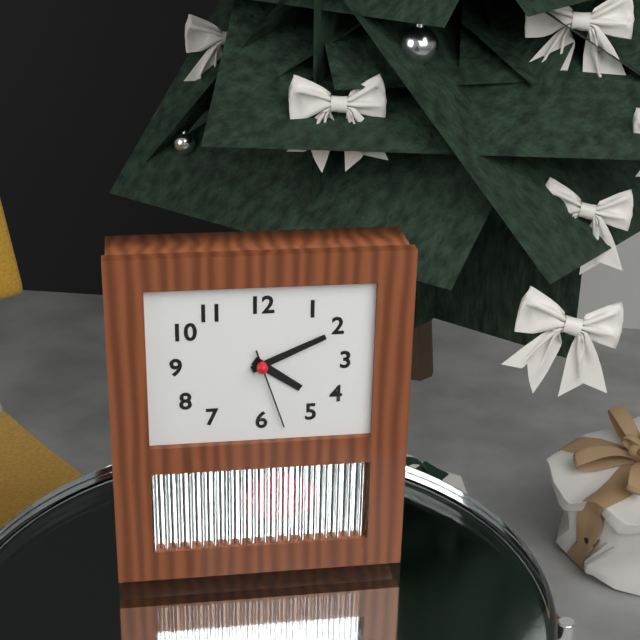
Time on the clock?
4:11:27
